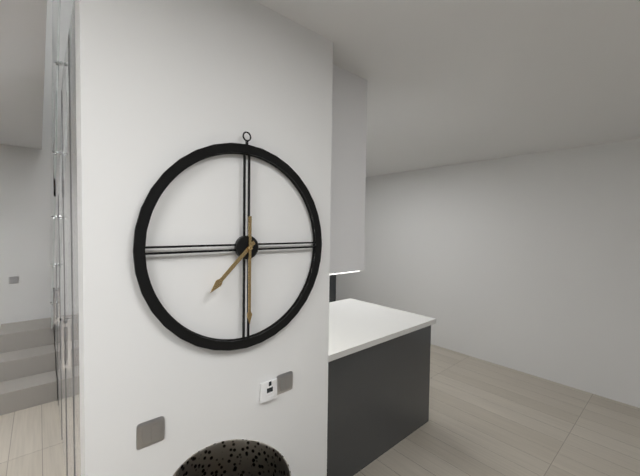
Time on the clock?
7:30
